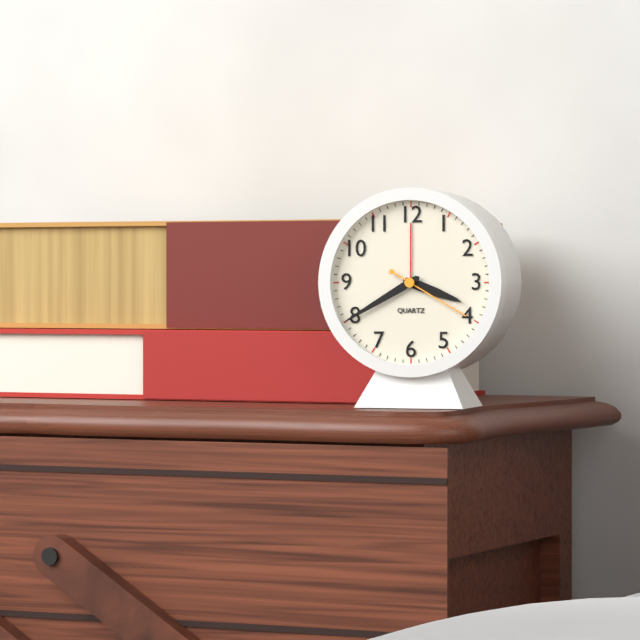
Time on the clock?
3:40:20
